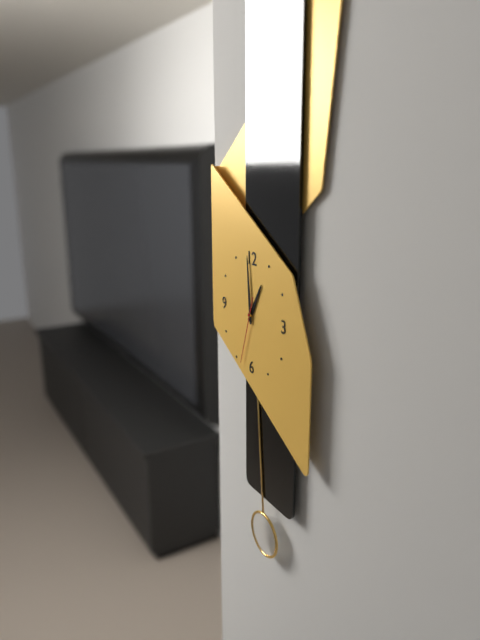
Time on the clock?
12:59:33
